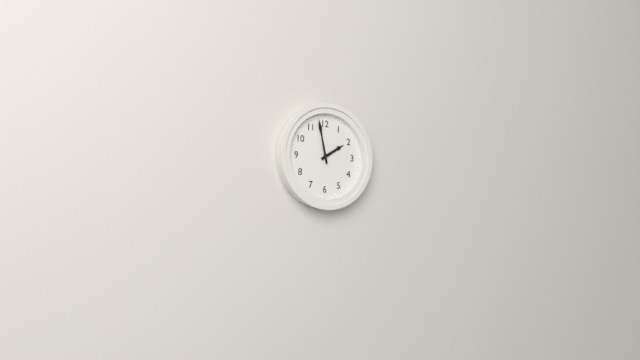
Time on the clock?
1:58
